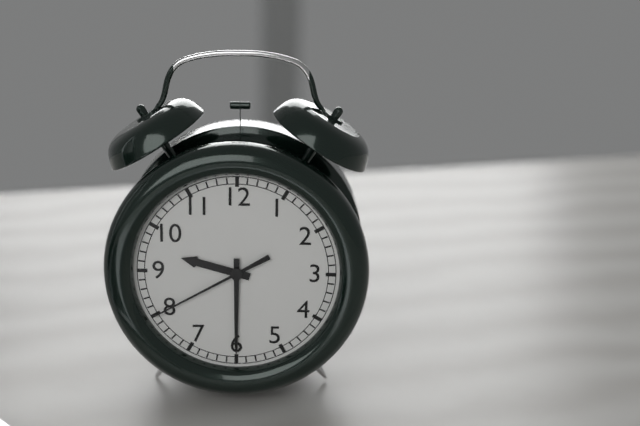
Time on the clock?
9:30:40
